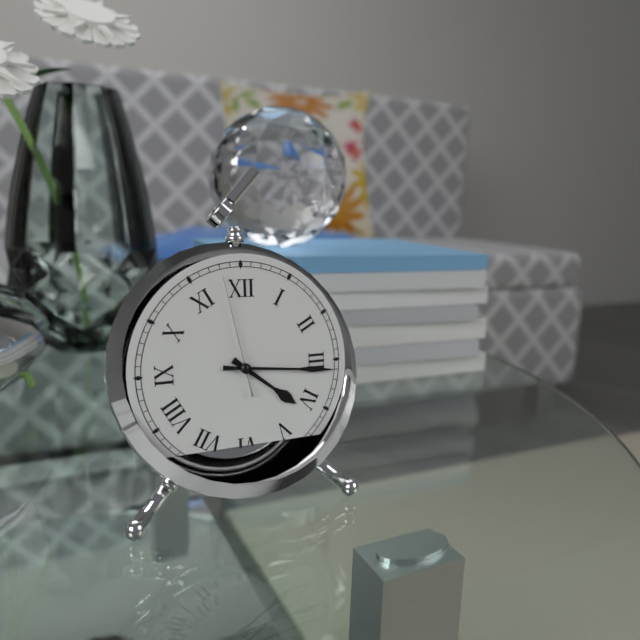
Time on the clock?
4:16:58
